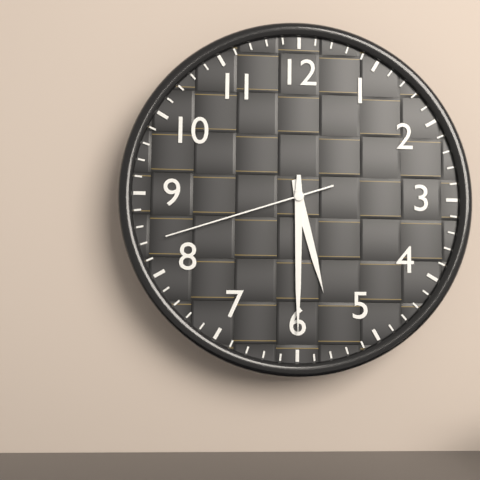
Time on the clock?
5:30:42
